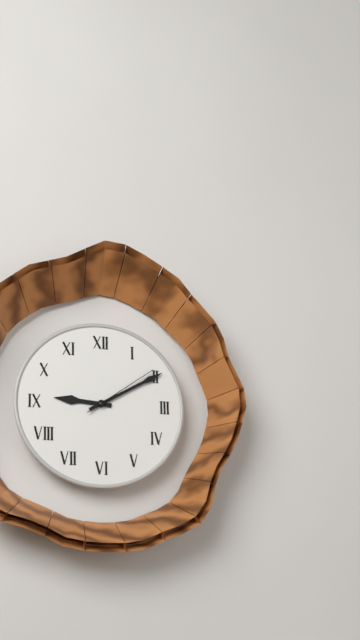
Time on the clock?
9:10:09
